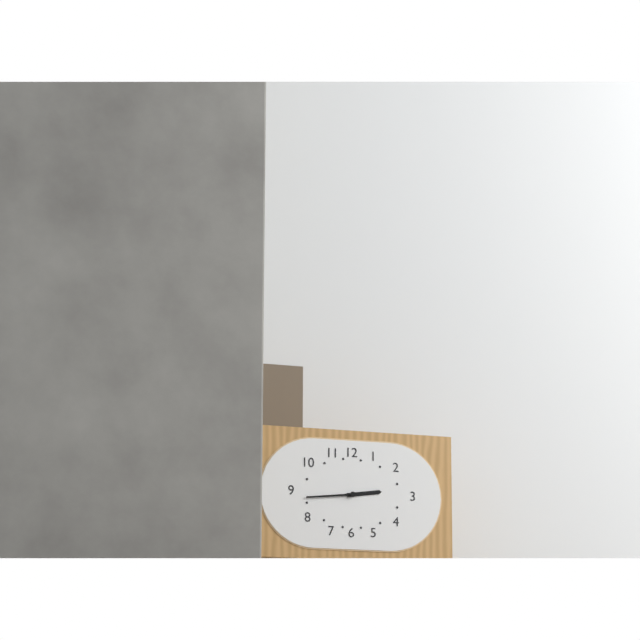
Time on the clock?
2:44
